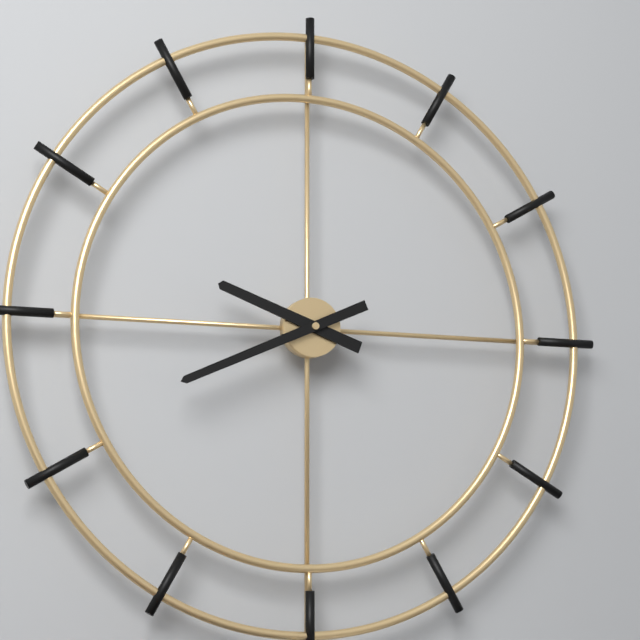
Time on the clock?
9:41
